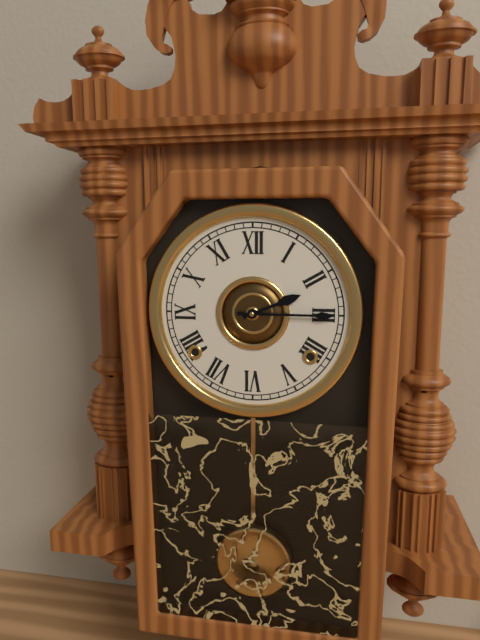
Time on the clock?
2:15
